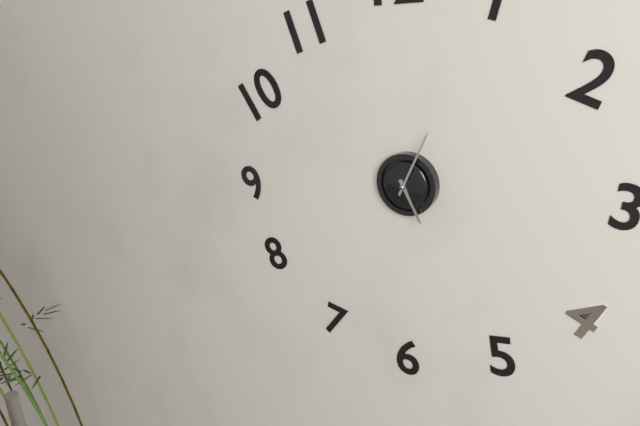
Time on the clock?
5:04
